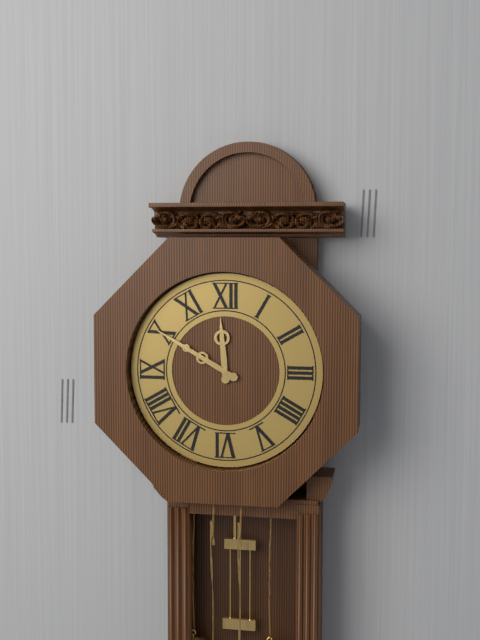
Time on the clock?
11:50
